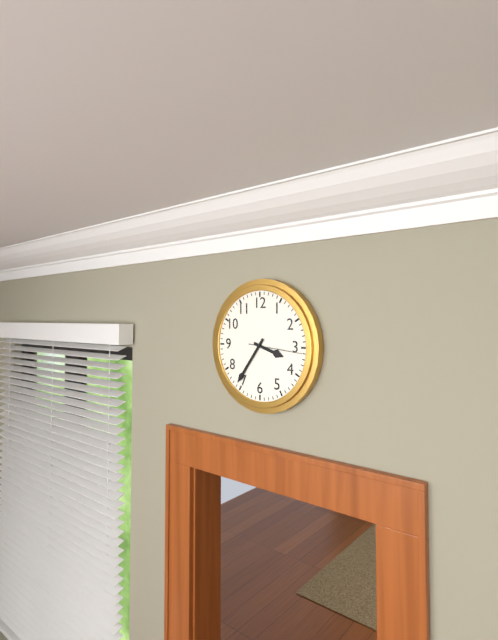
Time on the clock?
3:36:16
